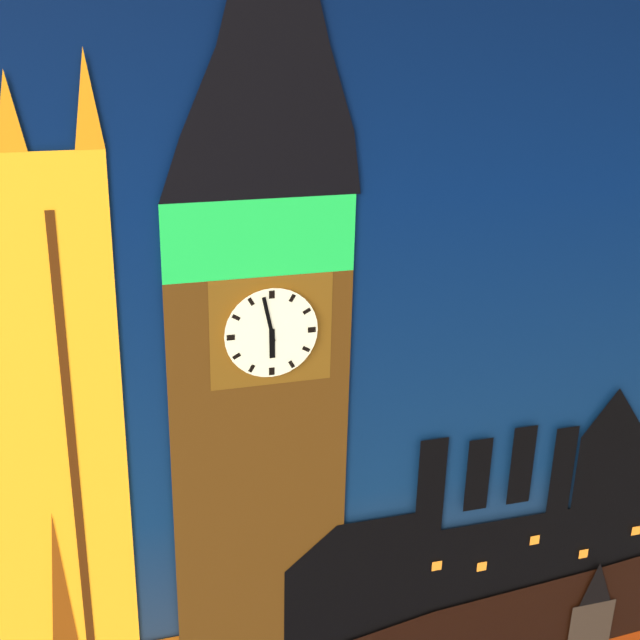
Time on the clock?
5:58
